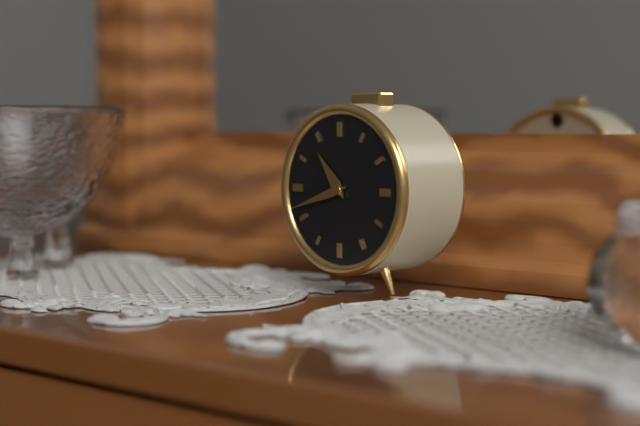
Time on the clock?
10:42
